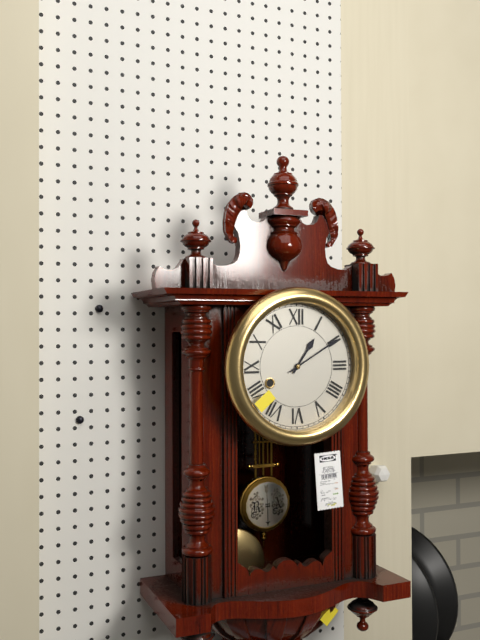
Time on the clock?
1:10
